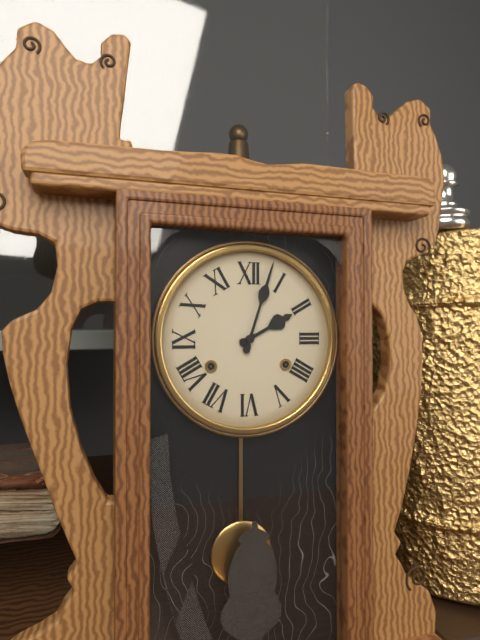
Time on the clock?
2:03
